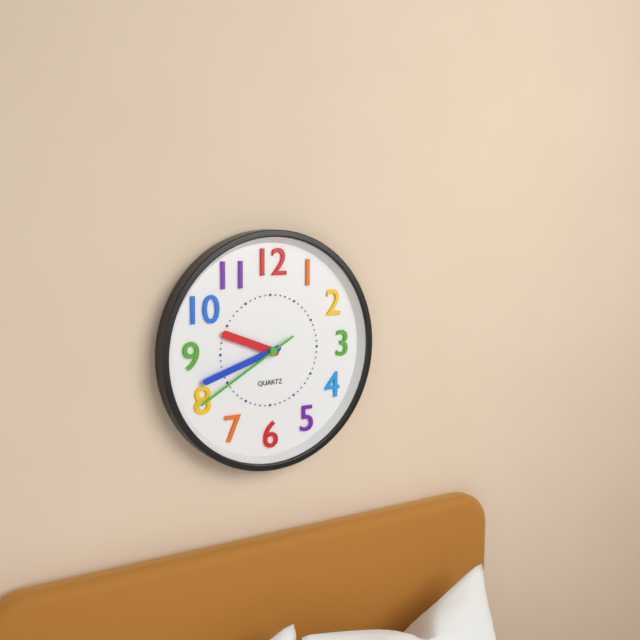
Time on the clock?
9:42:40
